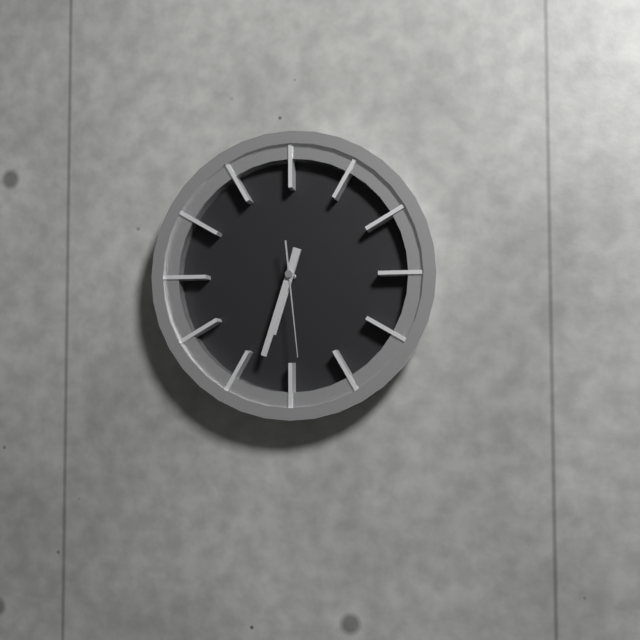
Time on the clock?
6:33:29
